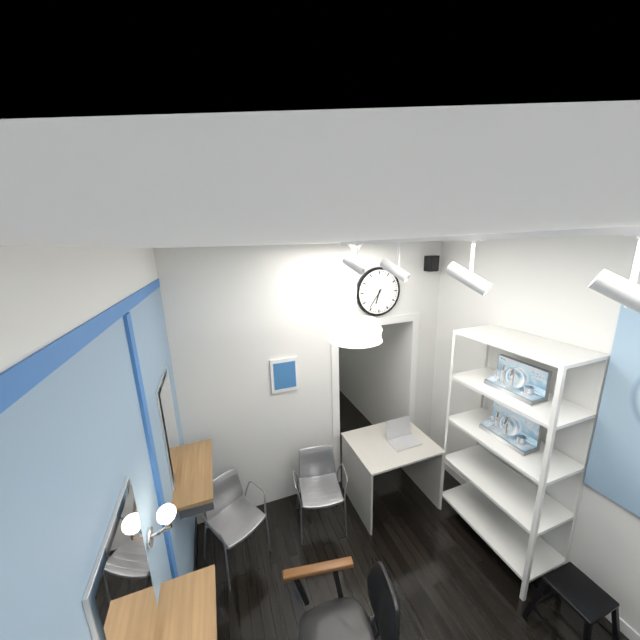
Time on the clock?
6:36
